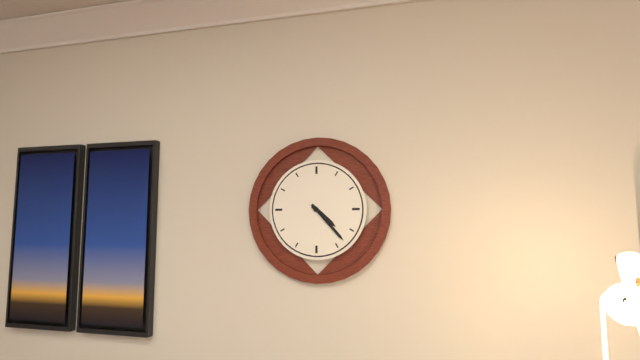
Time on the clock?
4:23
